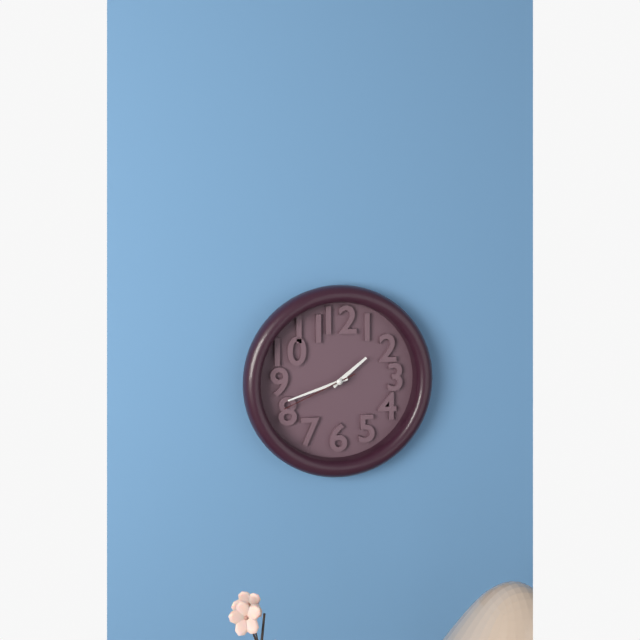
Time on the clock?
1:42:41
